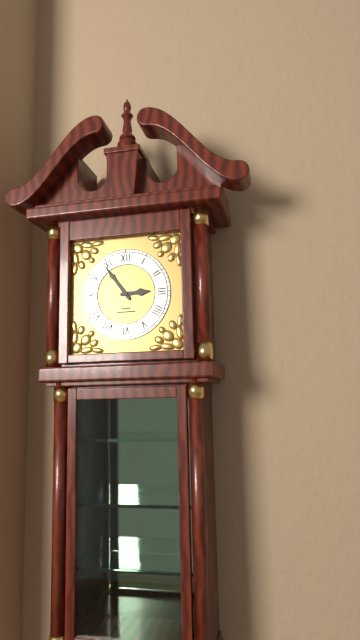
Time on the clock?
2:54
